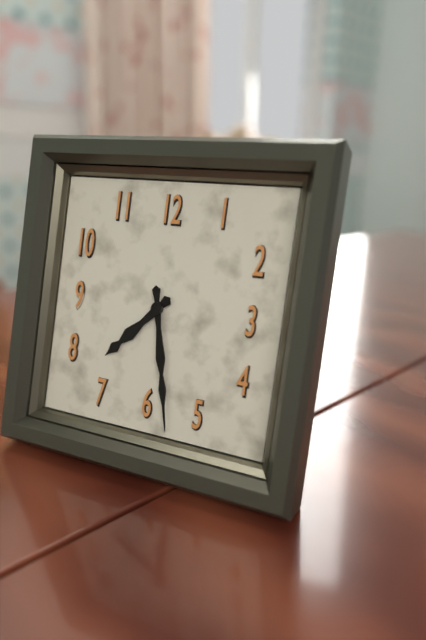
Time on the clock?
7:28
